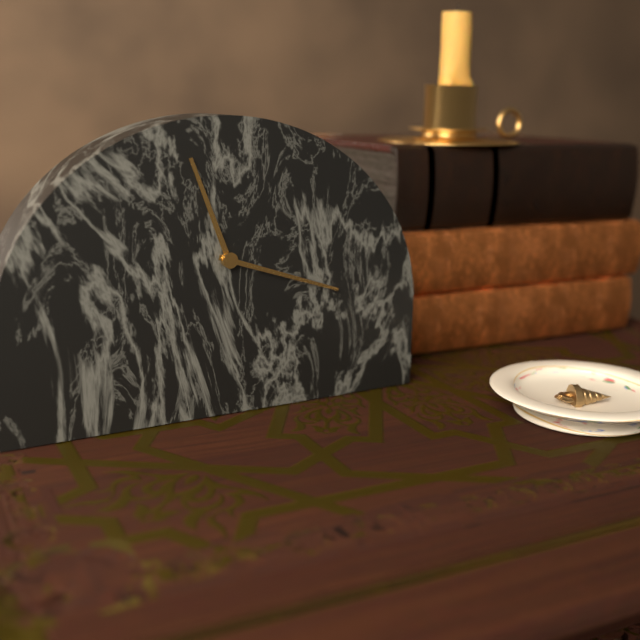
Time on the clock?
11:18
